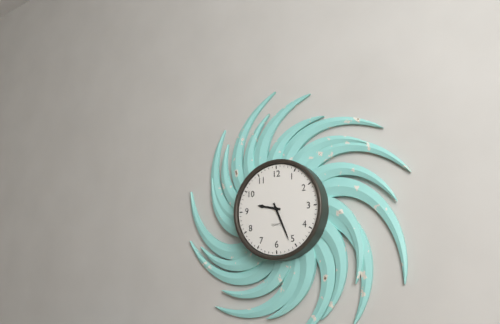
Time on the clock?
9:26
